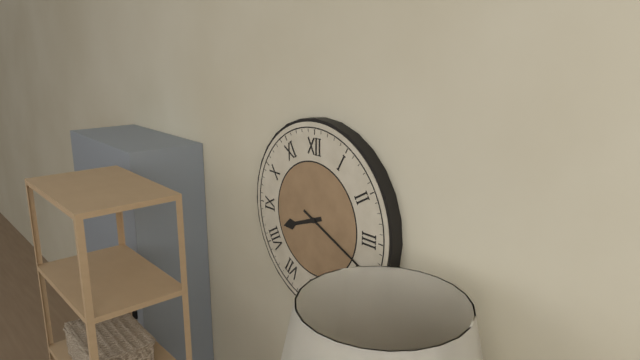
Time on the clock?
8:19
